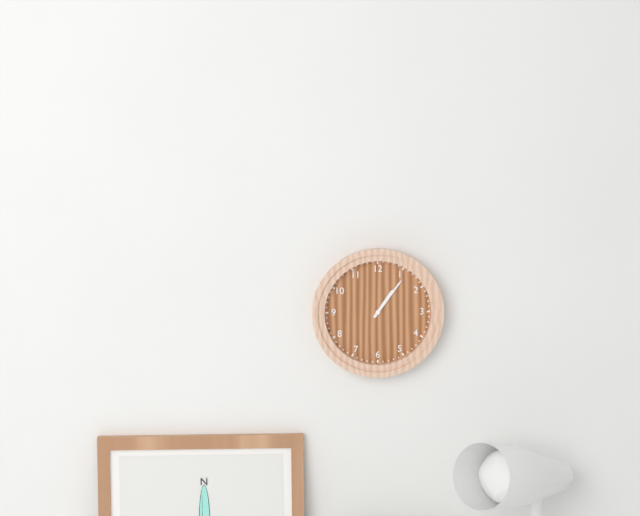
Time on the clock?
1:06
